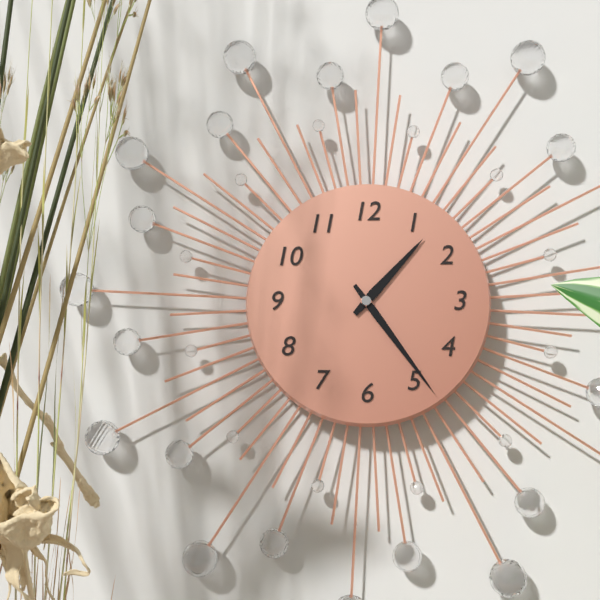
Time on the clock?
1:24
